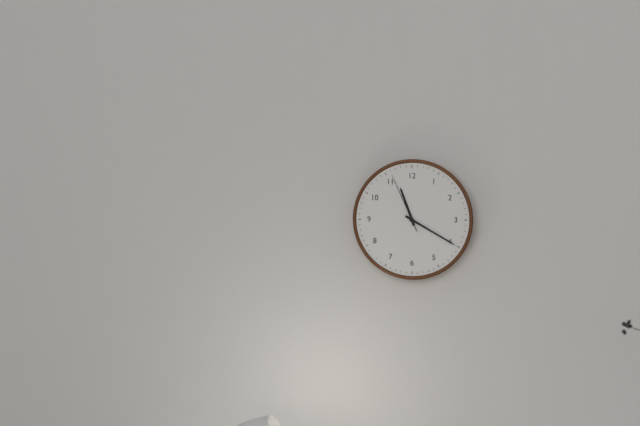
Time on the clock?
11:20:56
